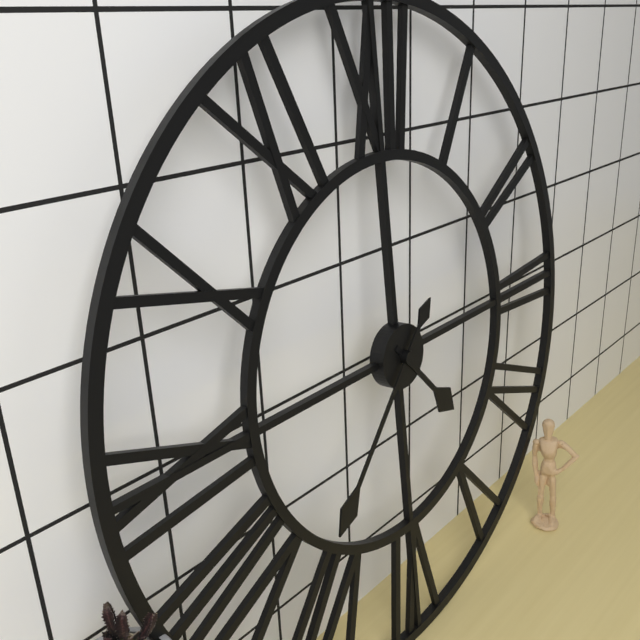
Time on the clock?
4:37
